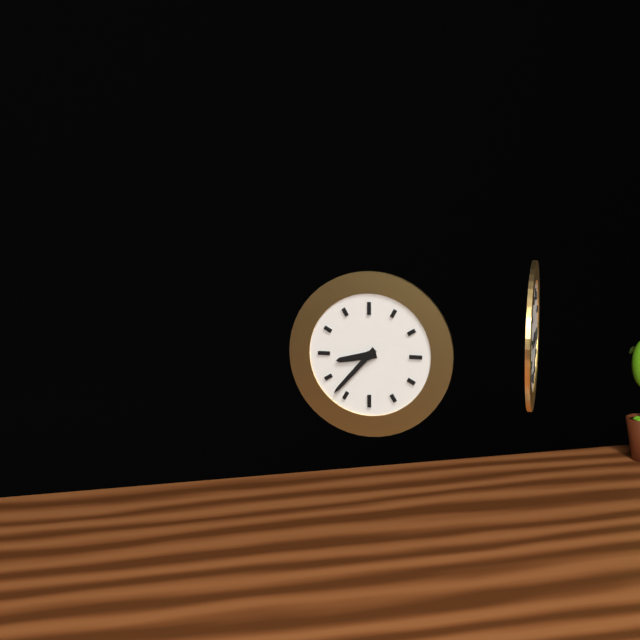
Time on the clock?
8:37
